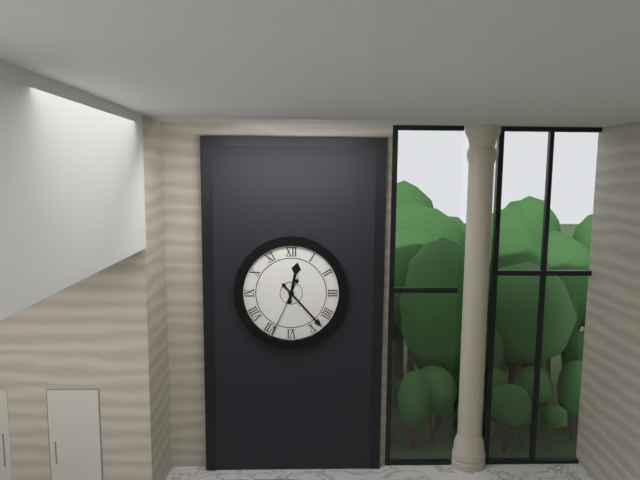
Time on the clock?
12:23:34
